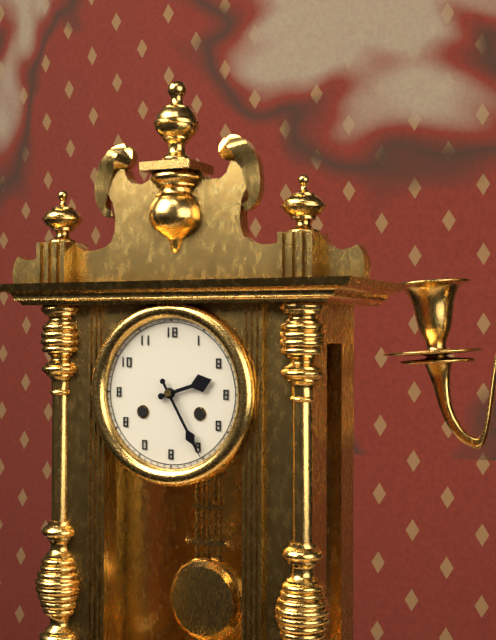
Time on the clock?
2:25
